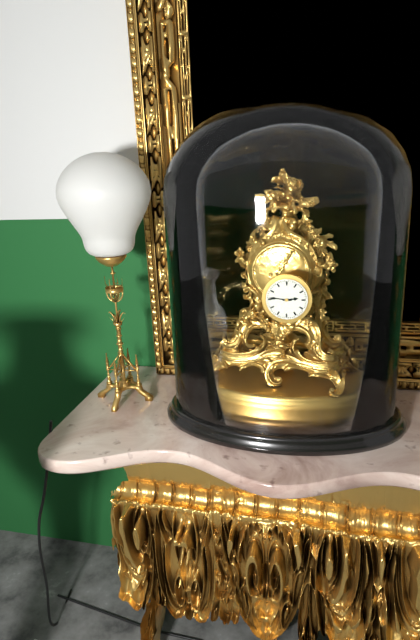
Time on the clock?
2:46
